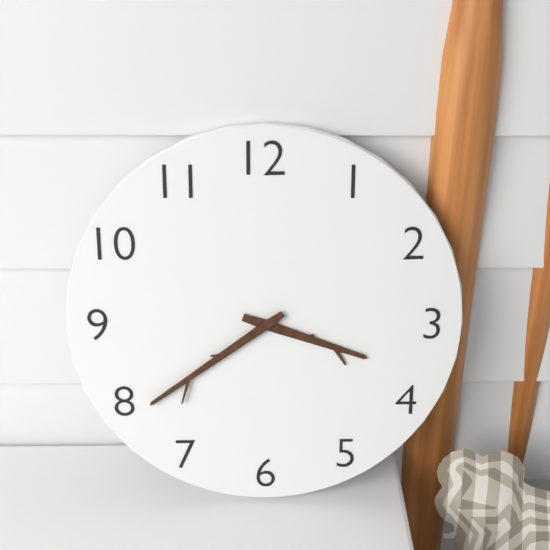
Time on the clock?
3:39
